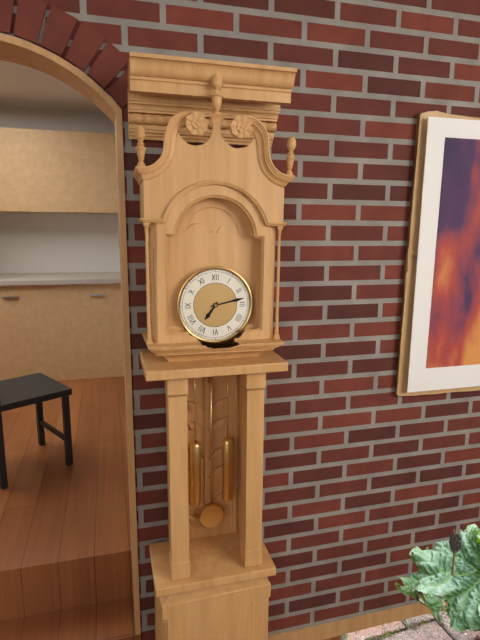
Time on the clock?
7:13
